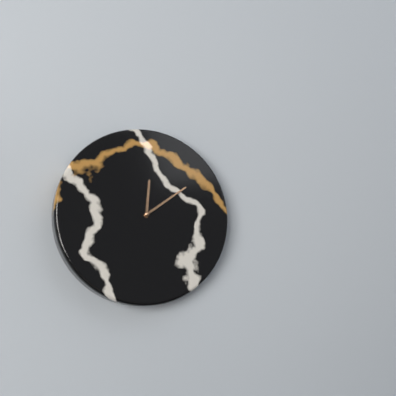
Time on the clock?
12:09
